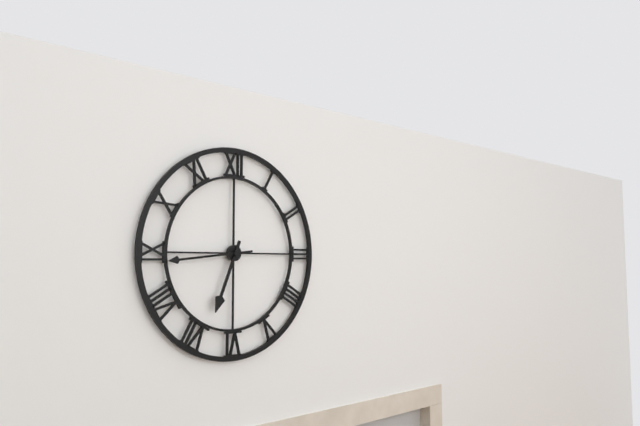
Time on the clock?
6:44
